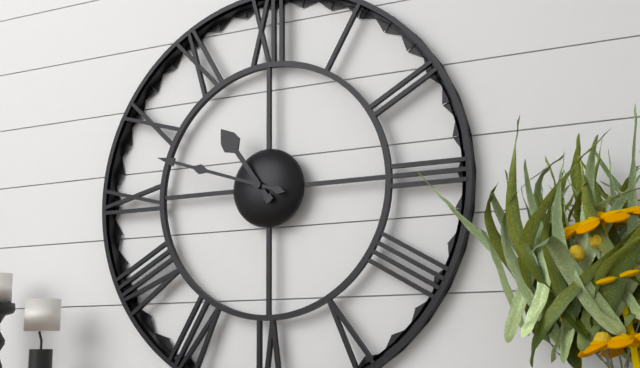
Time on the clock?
10:48
